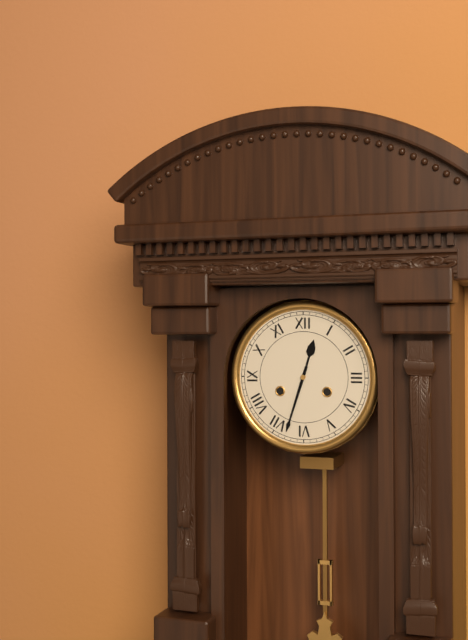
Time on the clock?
12:33
